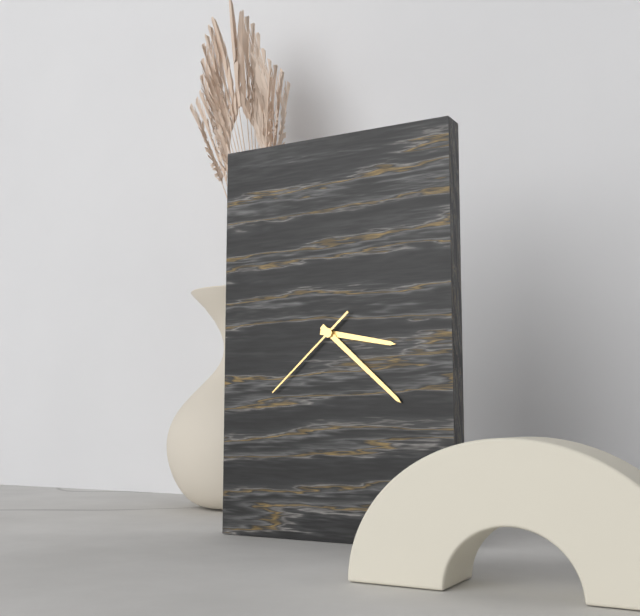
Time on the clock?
3:22:38
